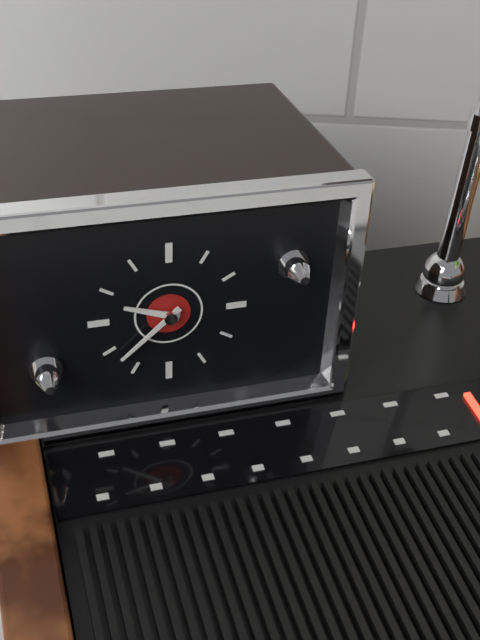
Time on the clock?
9:38
